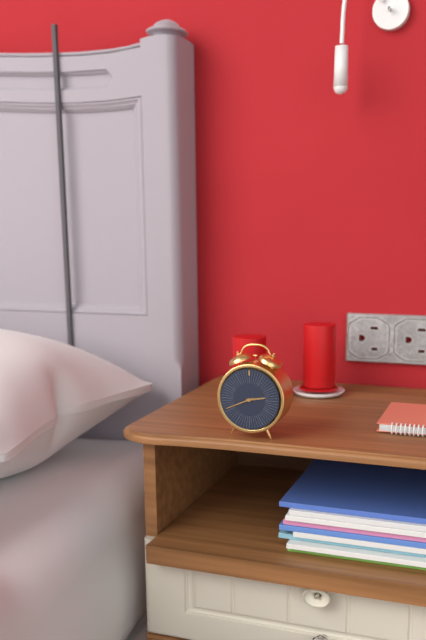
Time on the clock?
2:41
